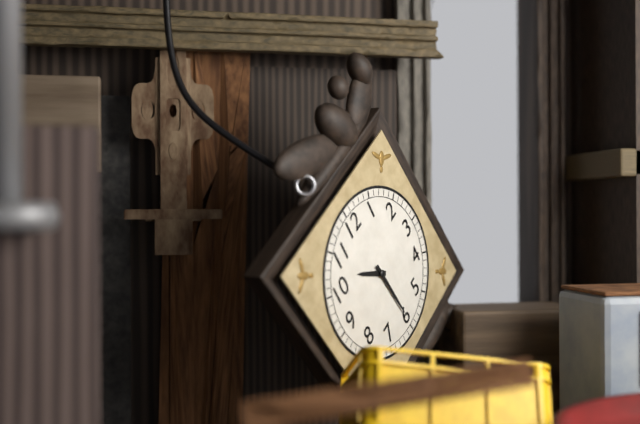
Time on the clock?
10:30
